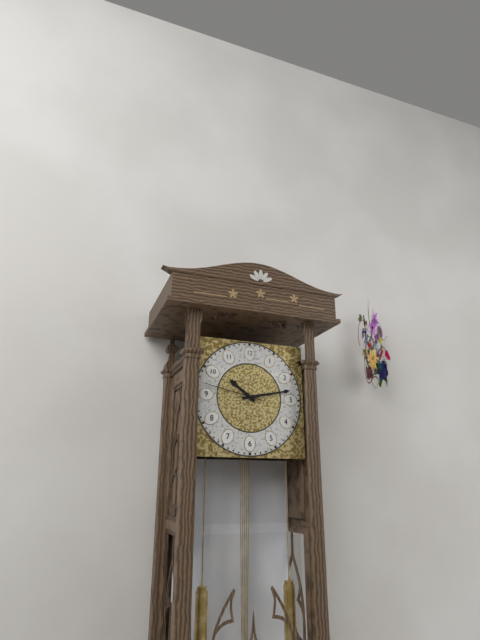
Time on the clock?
10:13:47
